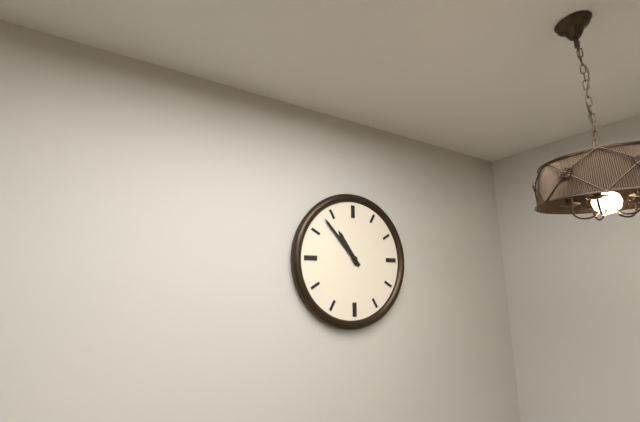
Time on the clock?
10:53
